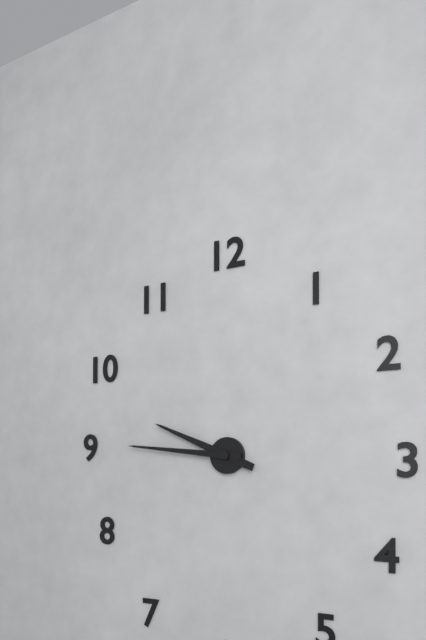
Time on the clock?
9:46
